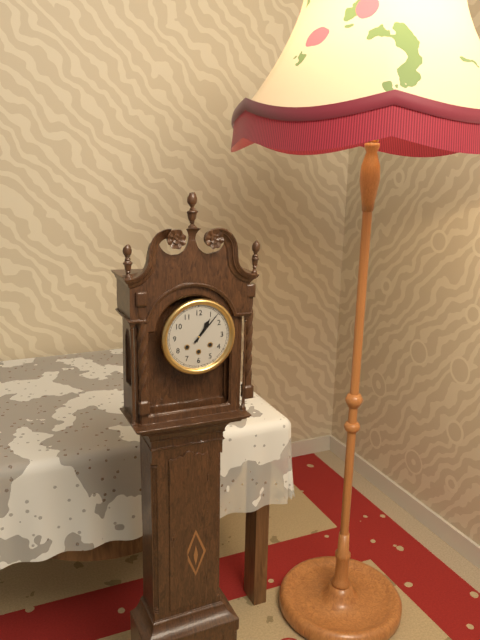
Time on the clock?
1:07
